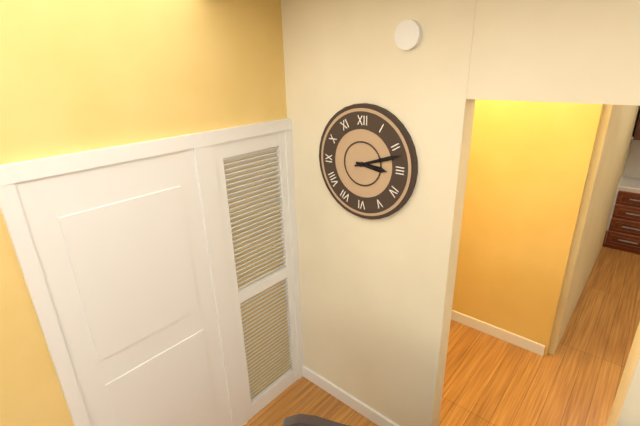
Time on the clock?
3:12
